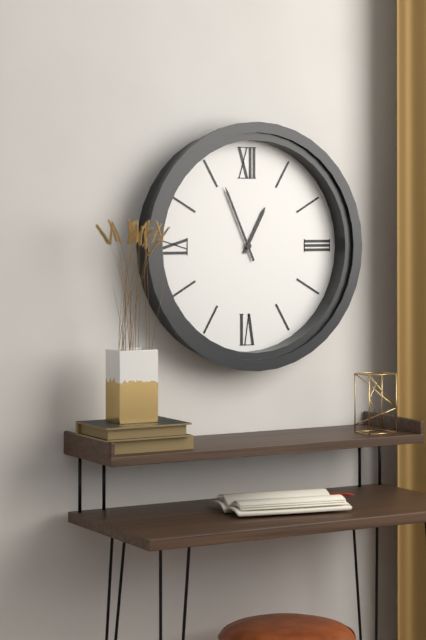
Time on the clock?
12:56
